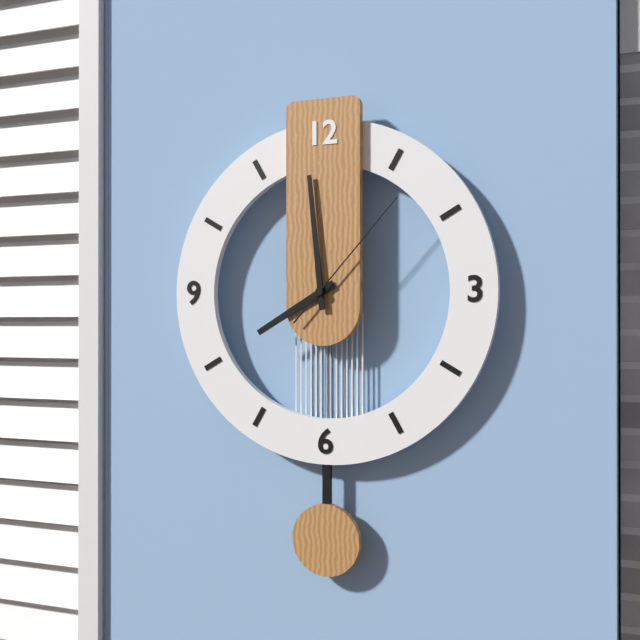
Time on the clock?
7:59:07
